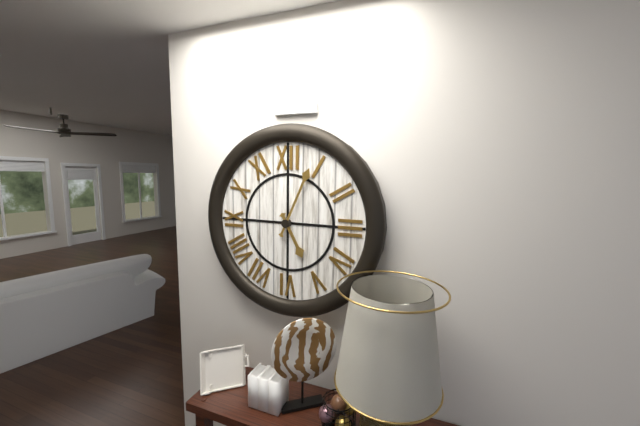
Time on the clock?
5:04
